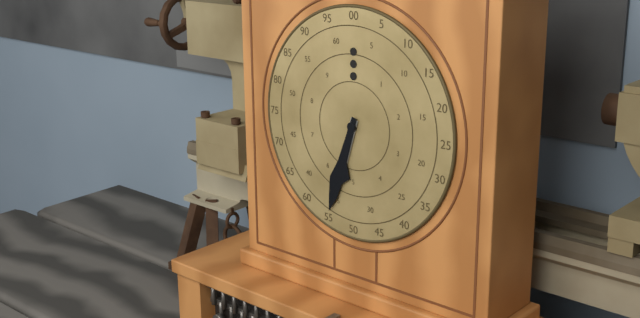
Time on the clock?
6:33
